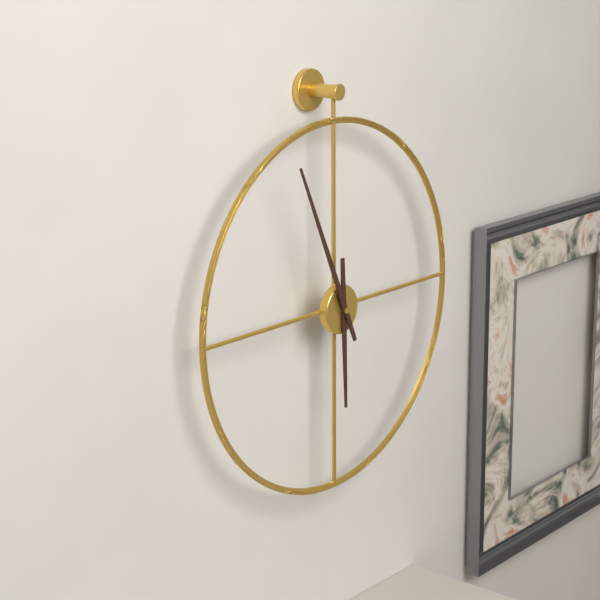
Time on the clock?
5:56
